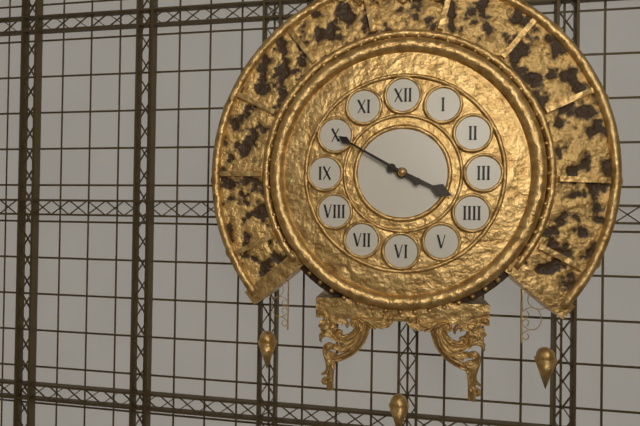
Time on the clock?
3:50
